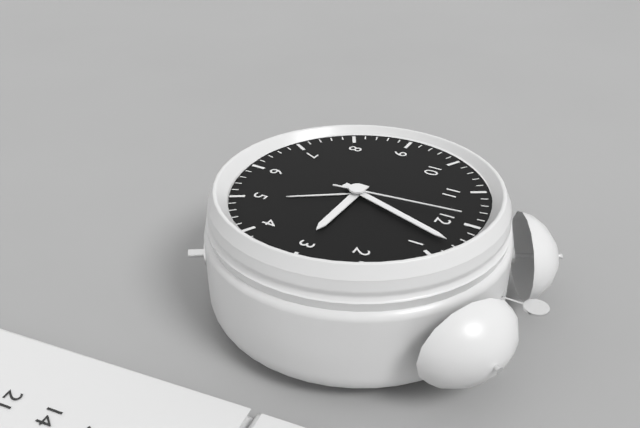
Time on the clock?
3:03:59
